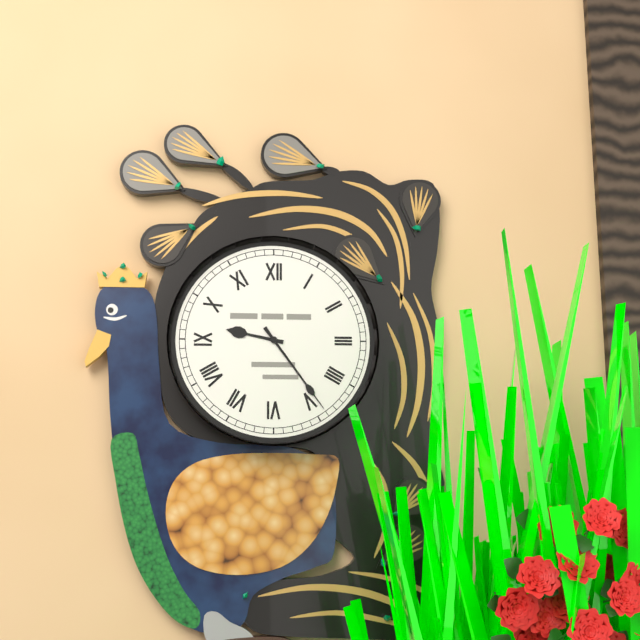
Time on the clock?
9:24
